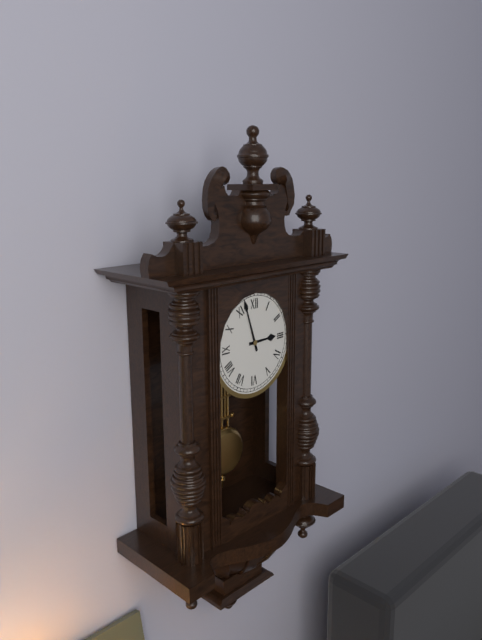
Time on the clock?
2:57
